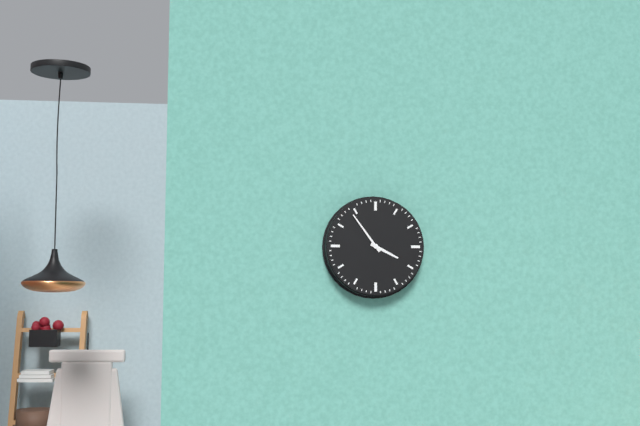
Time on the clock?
3:54
